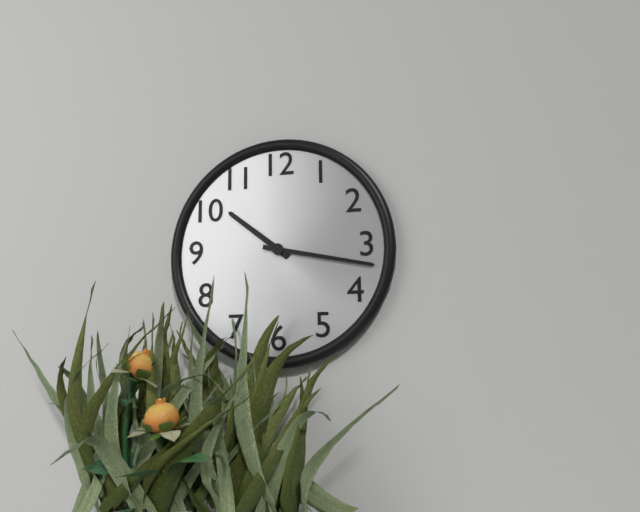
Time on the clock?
10:17
